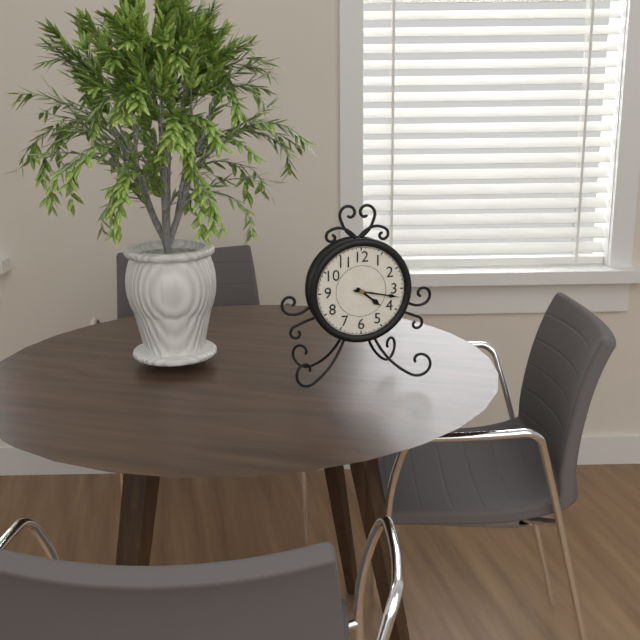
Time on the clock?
4:17
